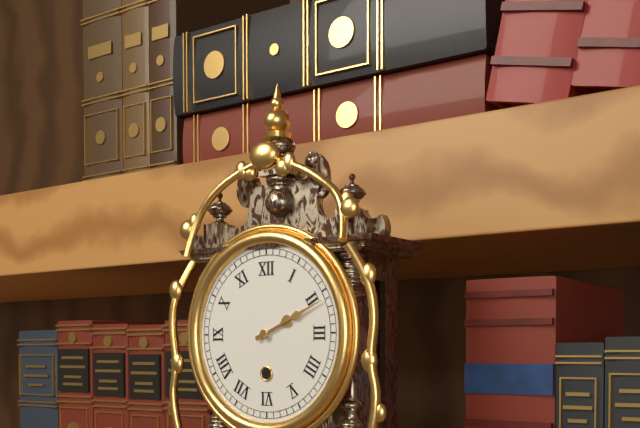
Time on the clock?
2:11
